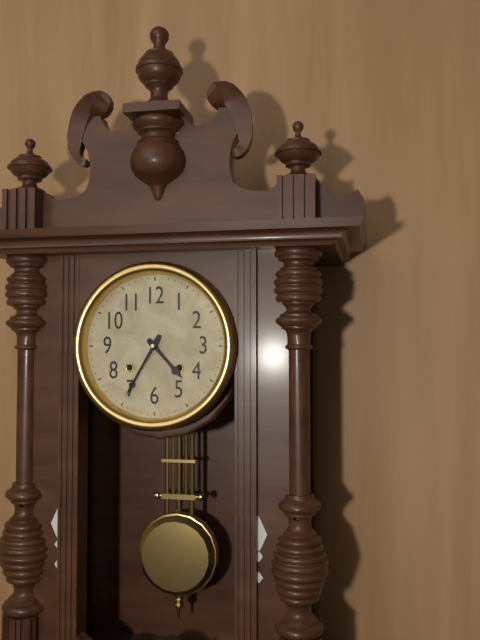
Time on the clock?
4:35
